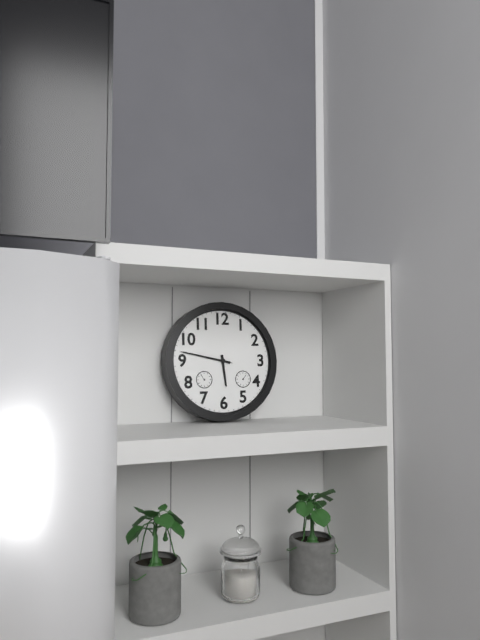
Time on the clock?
5:47:47
